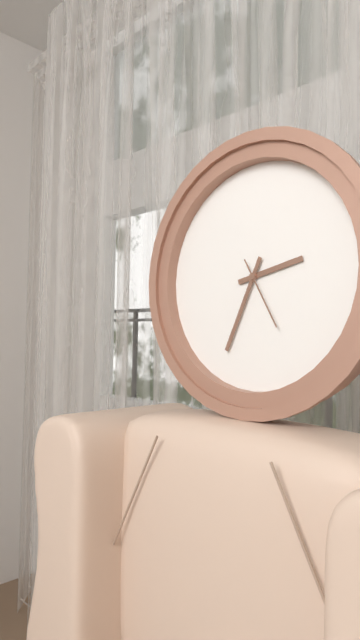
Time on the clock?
2:34:25
